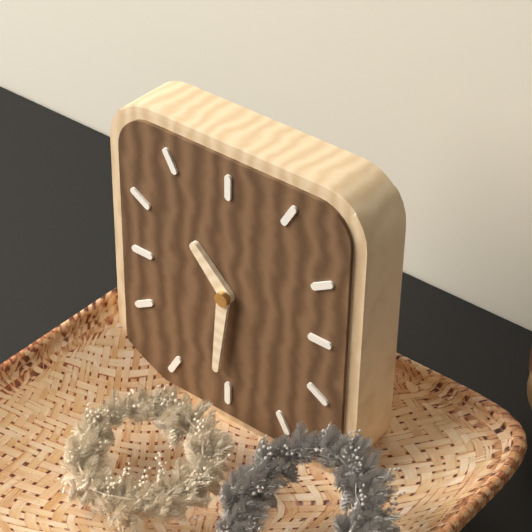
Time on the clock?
10:31
